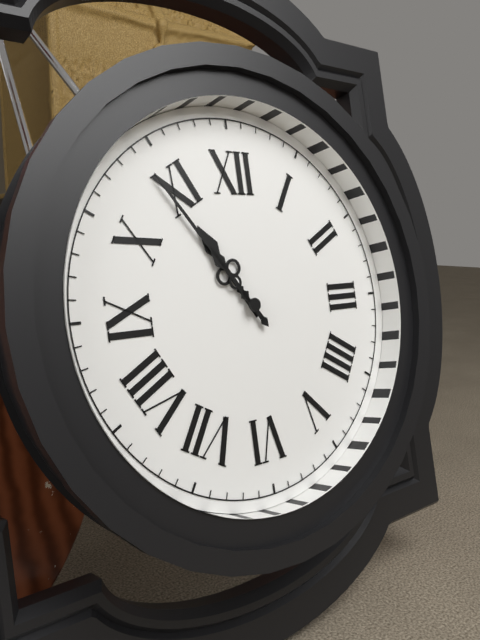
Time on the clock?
10:54
